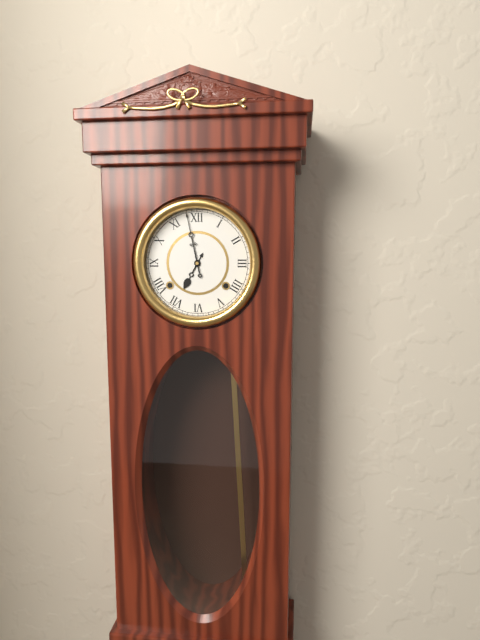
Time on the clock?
6:58
